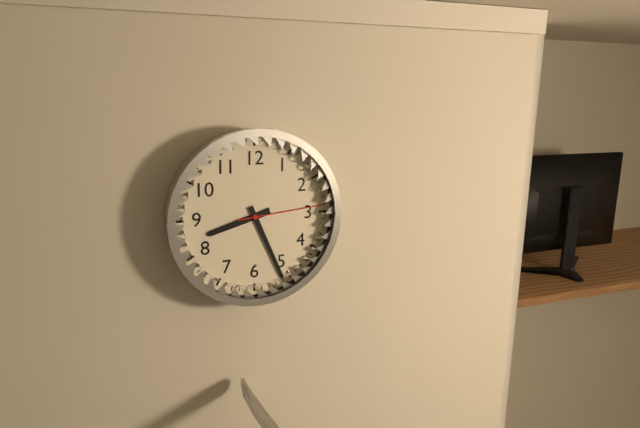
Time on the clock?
8:26:14
